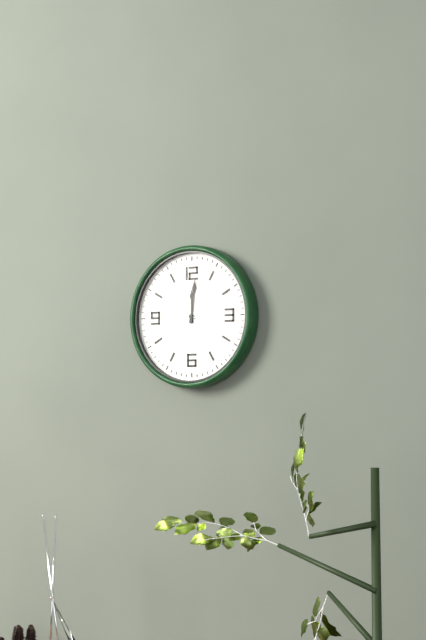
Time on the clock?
12:01:47
